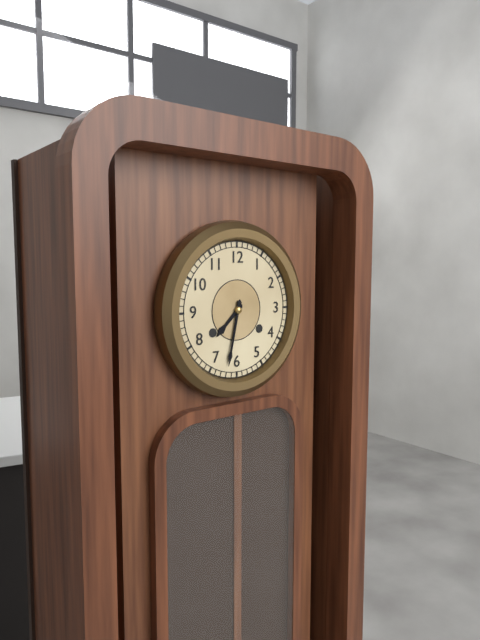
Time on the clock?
7:32
